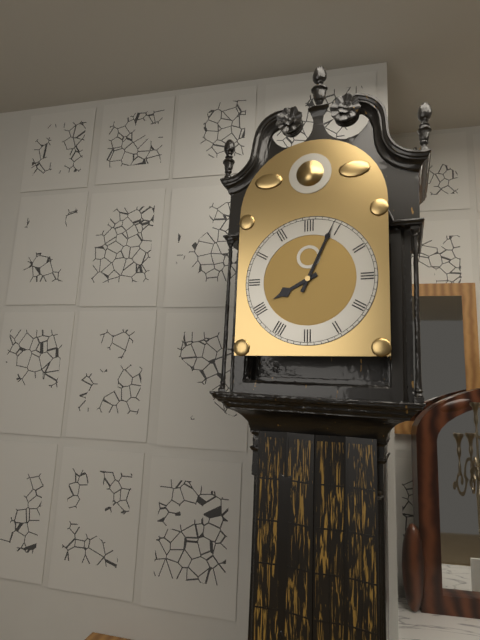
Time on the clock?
8:04
